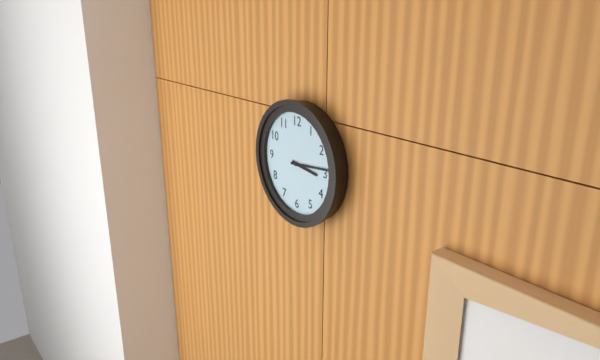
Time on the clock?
3:14
